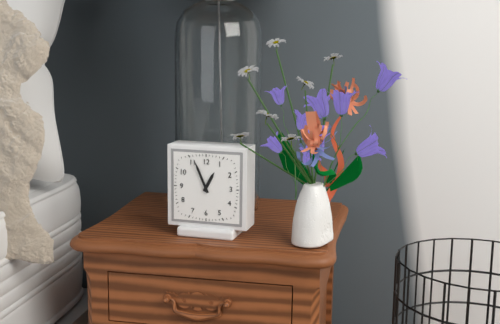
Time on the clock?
12:56
